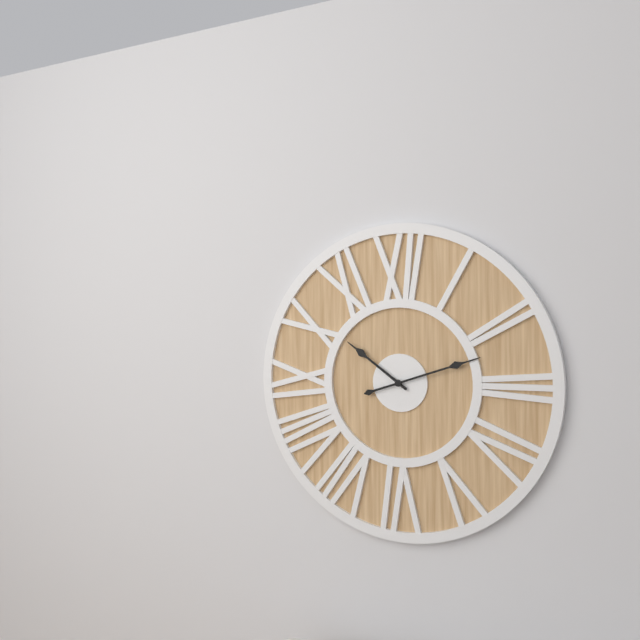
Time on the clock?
10:12
